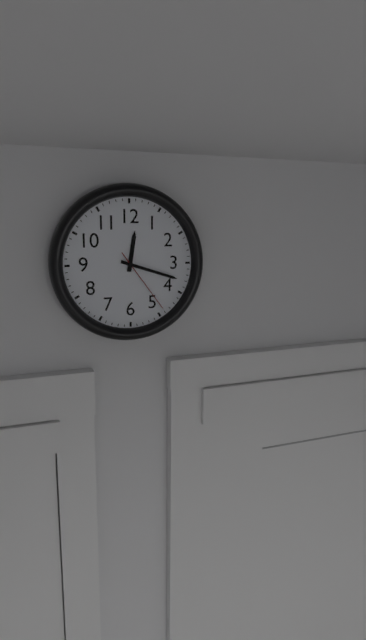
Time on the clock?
12:18:24
